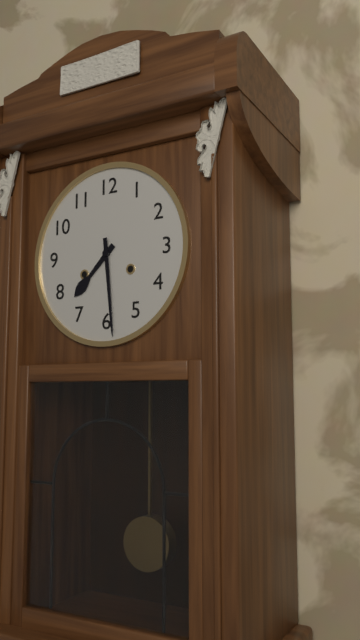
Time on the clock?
7:29
